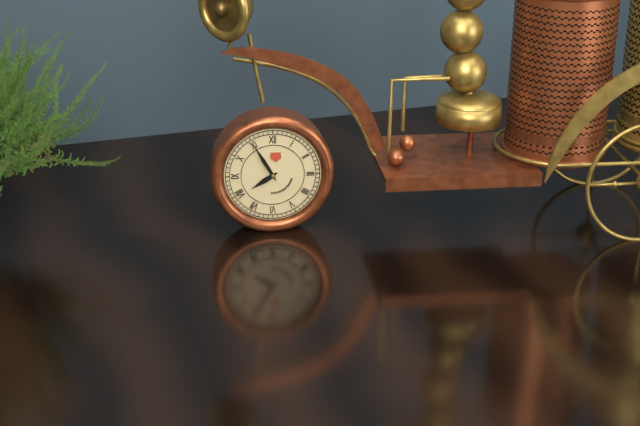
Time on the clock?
7:55
